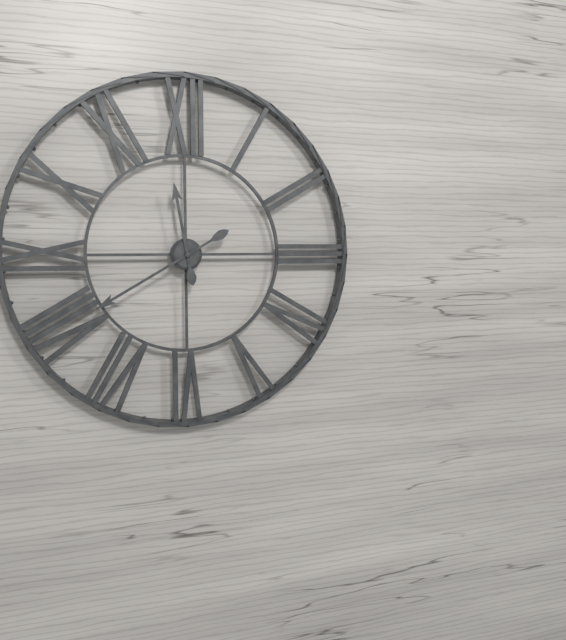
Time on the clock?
11:40
